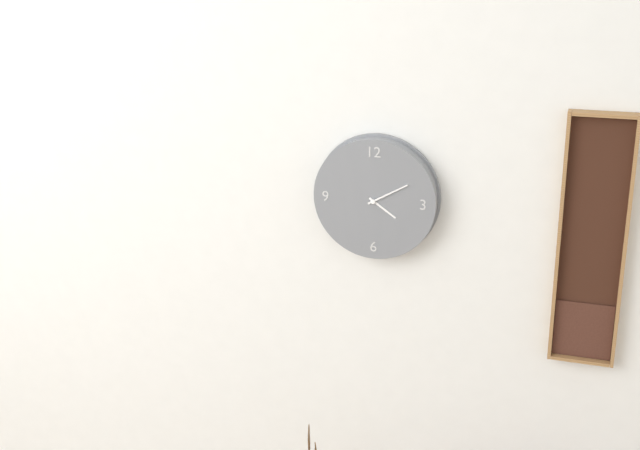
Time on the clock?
4:10
